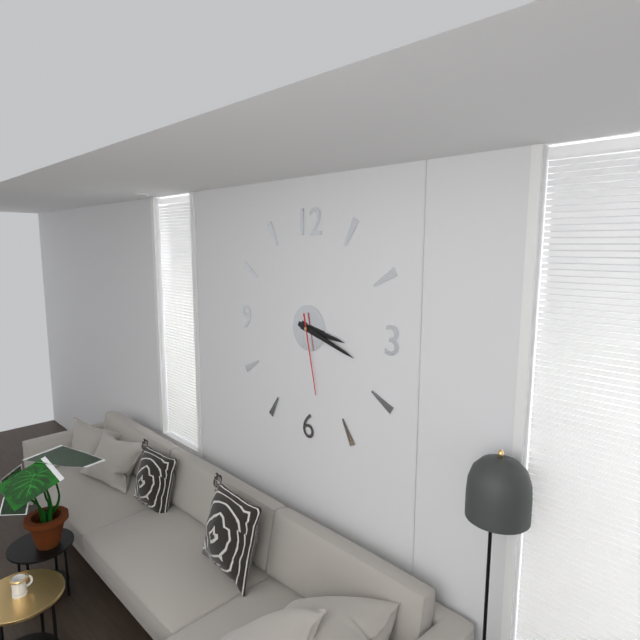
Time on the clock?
3:18:28
